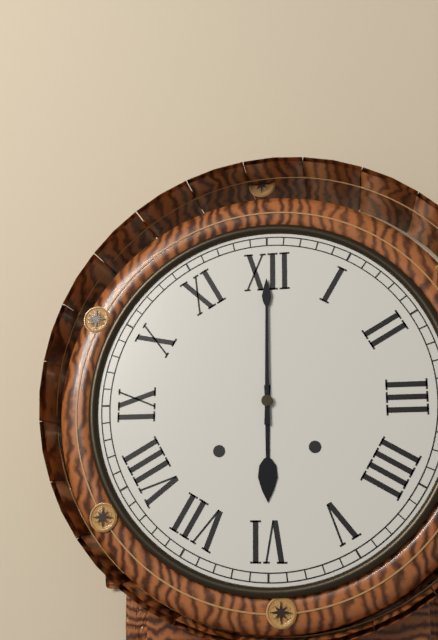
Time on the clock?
6:00
